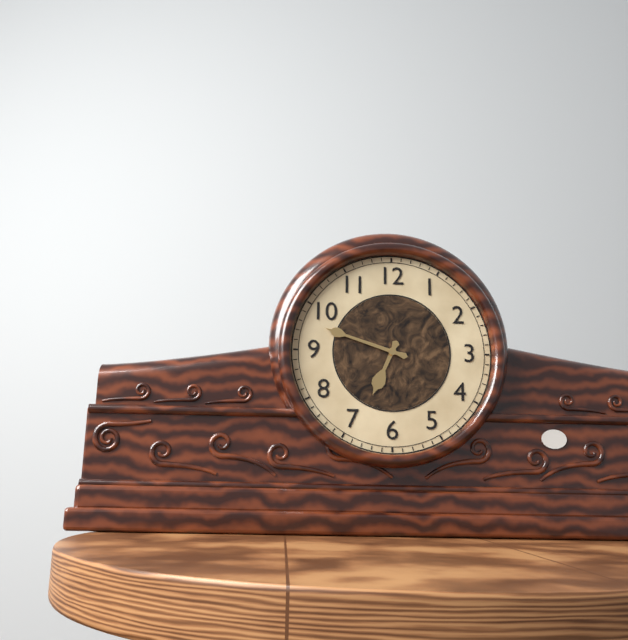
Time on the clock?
6:48
